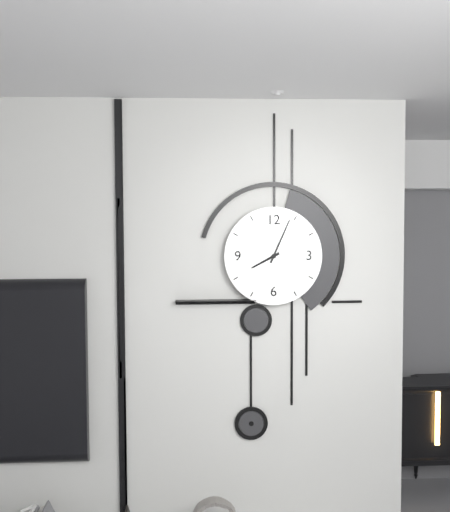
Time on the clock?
8:04
